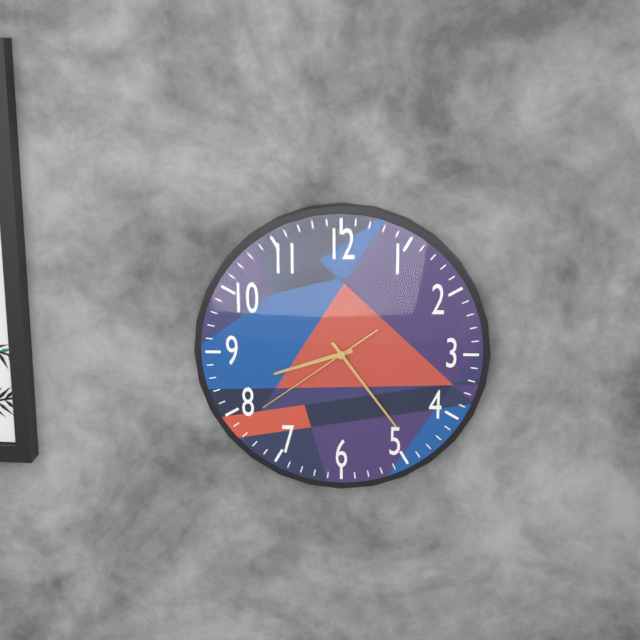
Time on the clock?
8:24:39
